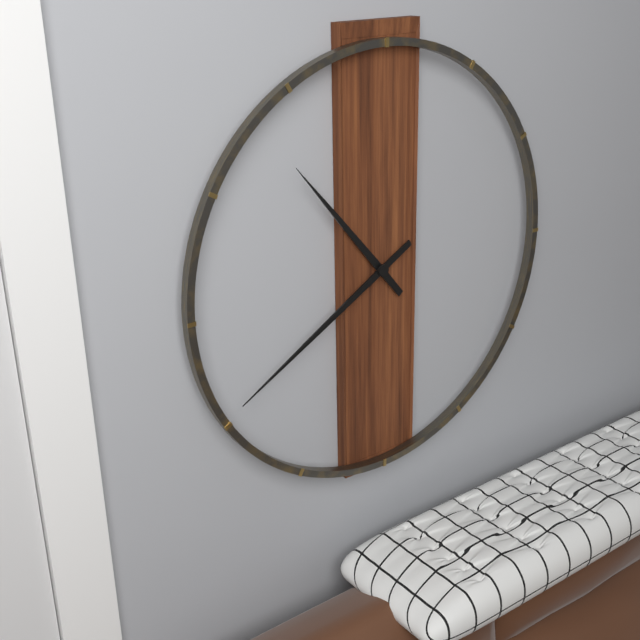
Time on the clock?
10:40
